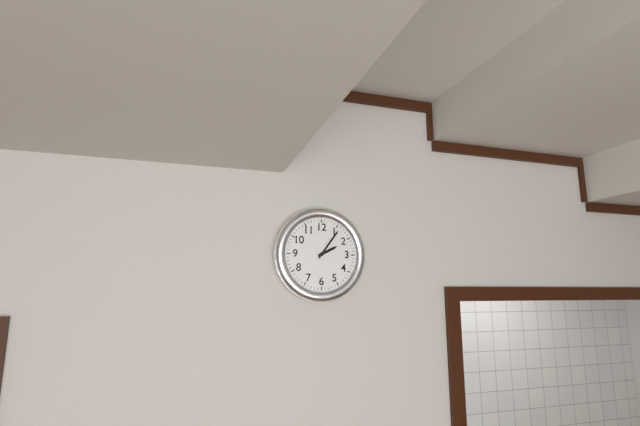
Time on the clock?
2:06
